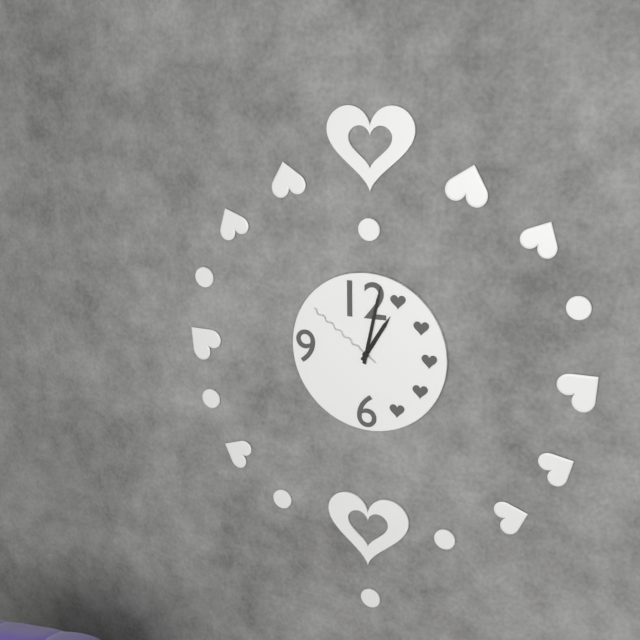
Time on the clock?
1:02:51
